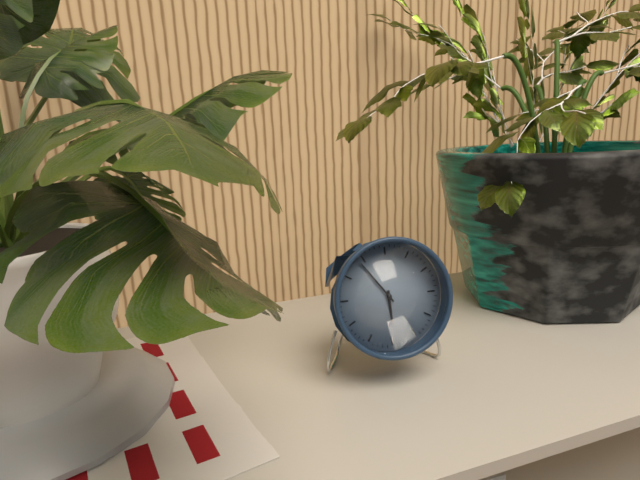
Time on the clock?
5:54
